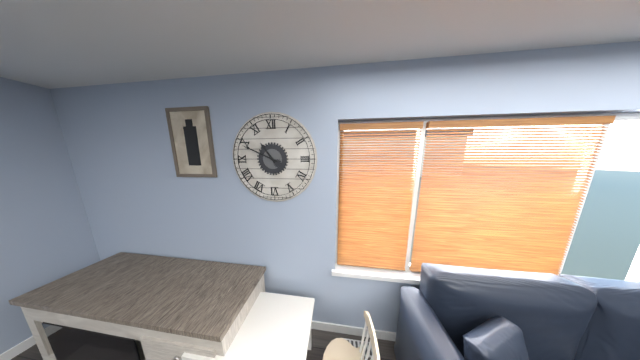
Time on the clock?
10:49
